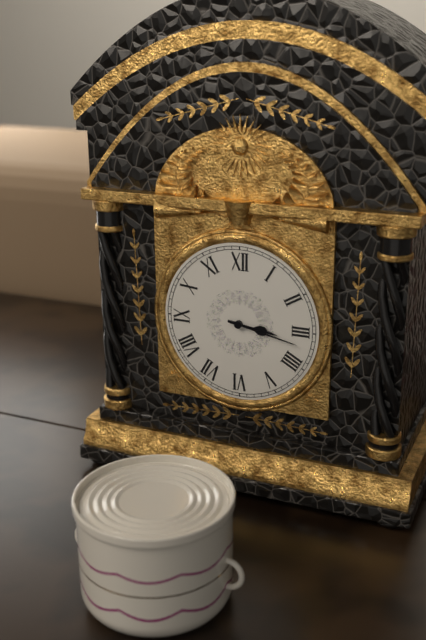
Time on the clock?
3:17
